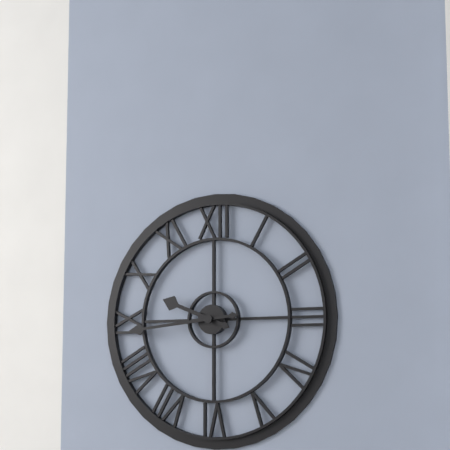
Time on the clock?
9:44
